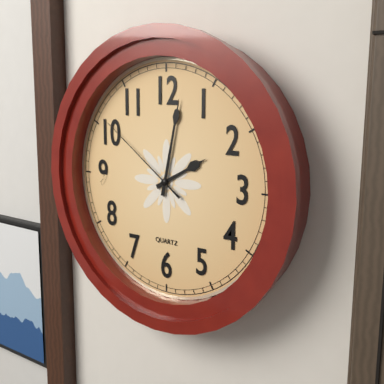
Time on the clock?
2:02:51
